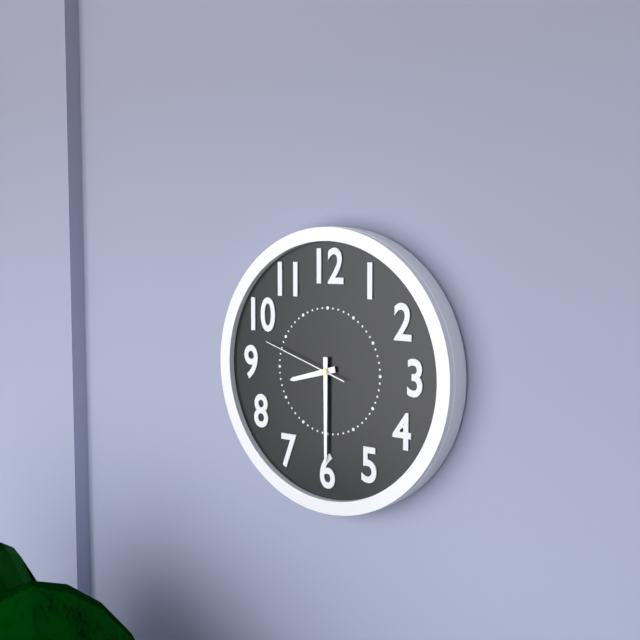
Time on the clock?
8:30:48
